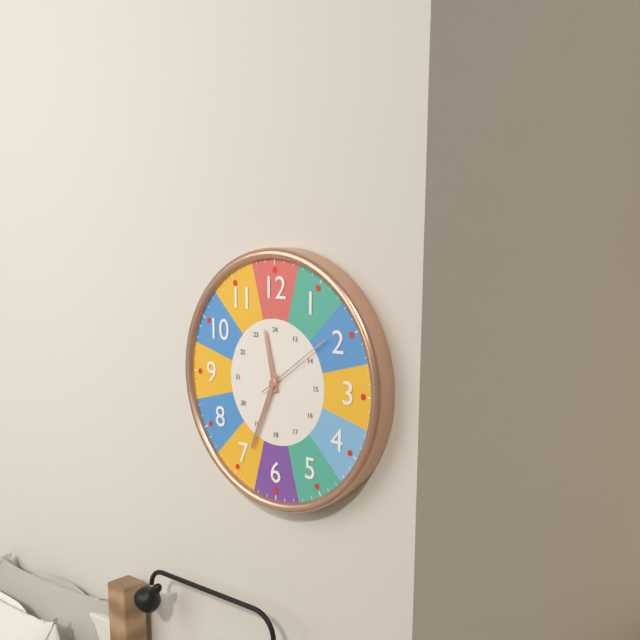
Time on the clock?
11:34:09
